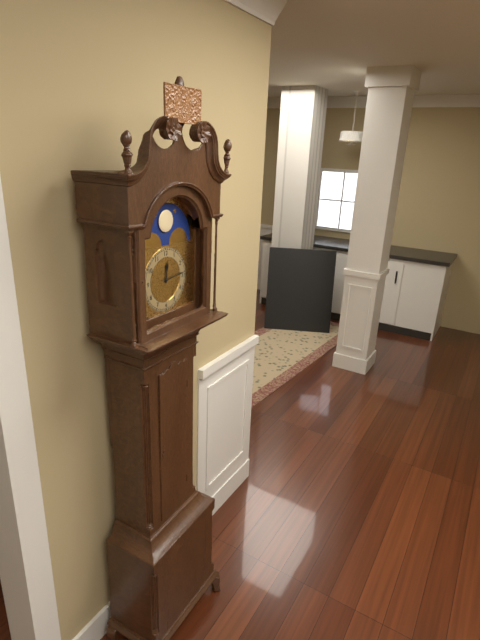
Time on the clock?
12:14
